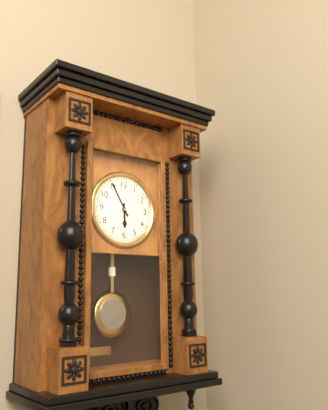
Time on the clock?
5:55
